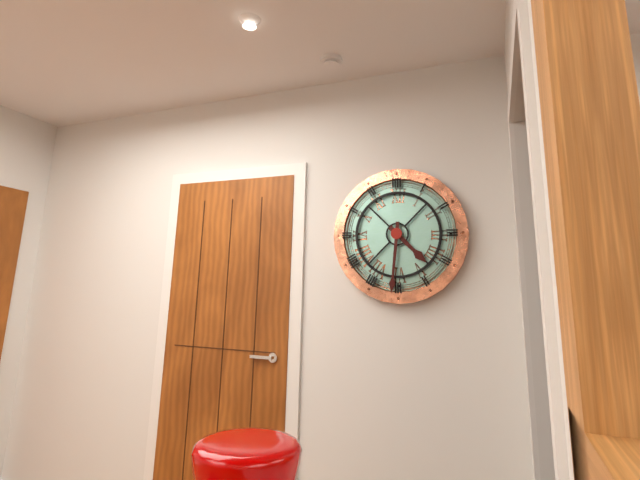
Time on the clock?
4:31
